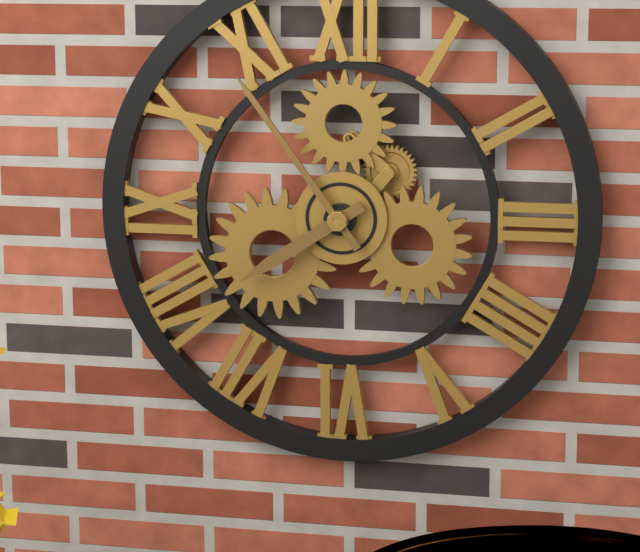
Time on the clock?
7:54
